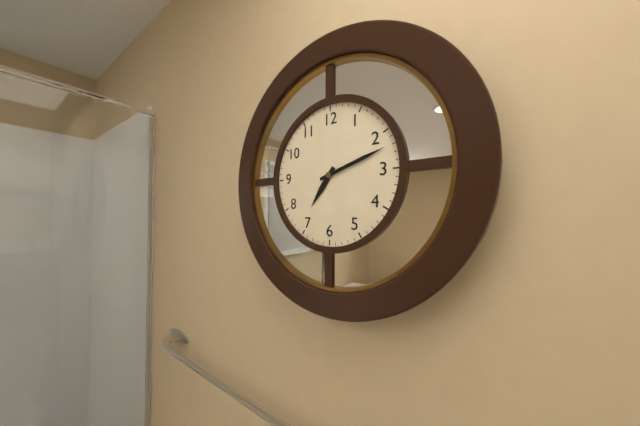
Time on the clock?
7:12
